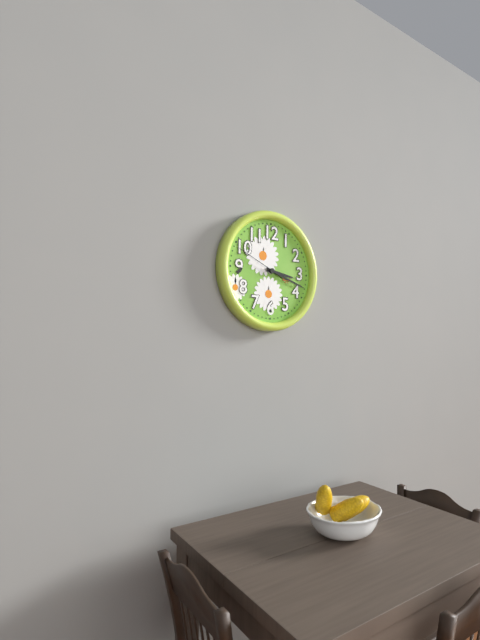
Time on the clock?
3:18:49
